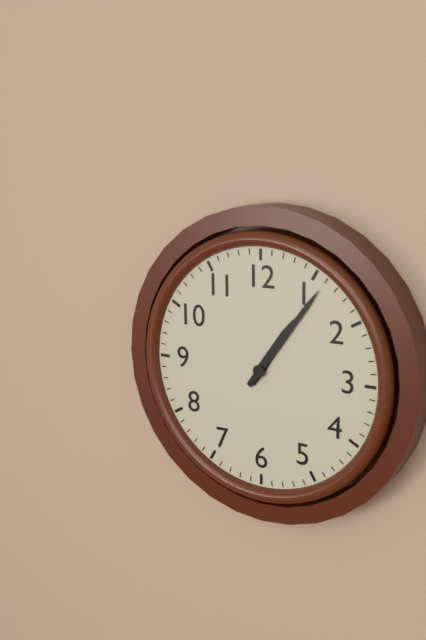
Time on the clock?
1:06
